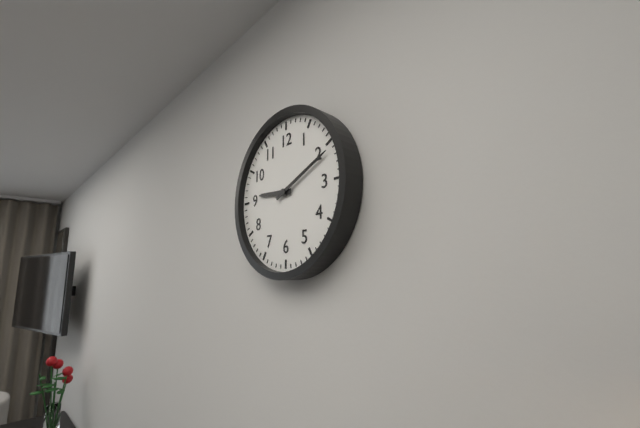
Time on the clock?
9:11
